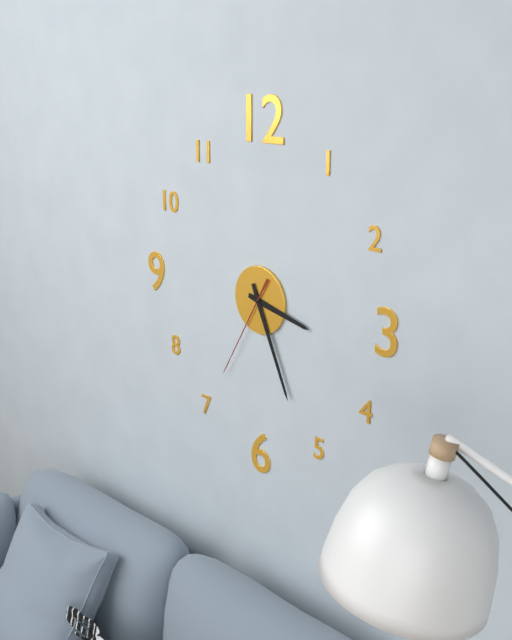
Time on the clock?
3:26:35
